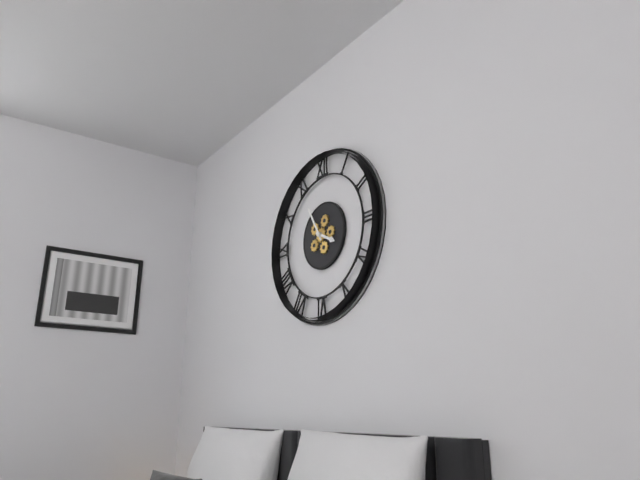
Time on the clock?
3:55
